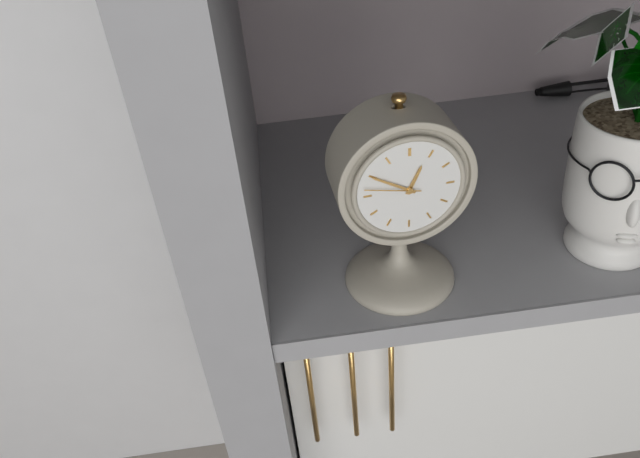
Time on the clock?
12:50:47
